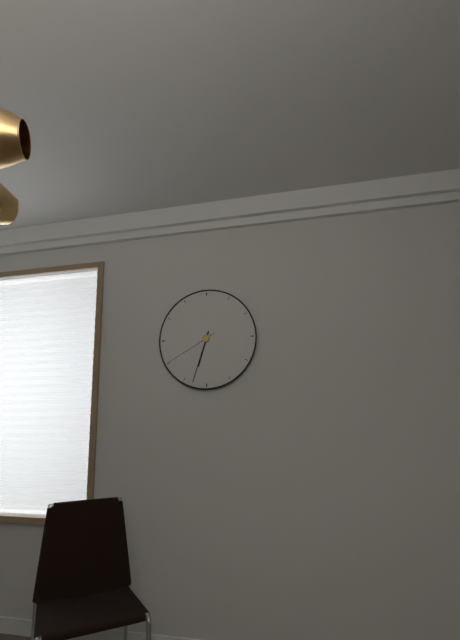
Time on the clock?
6:33:40
